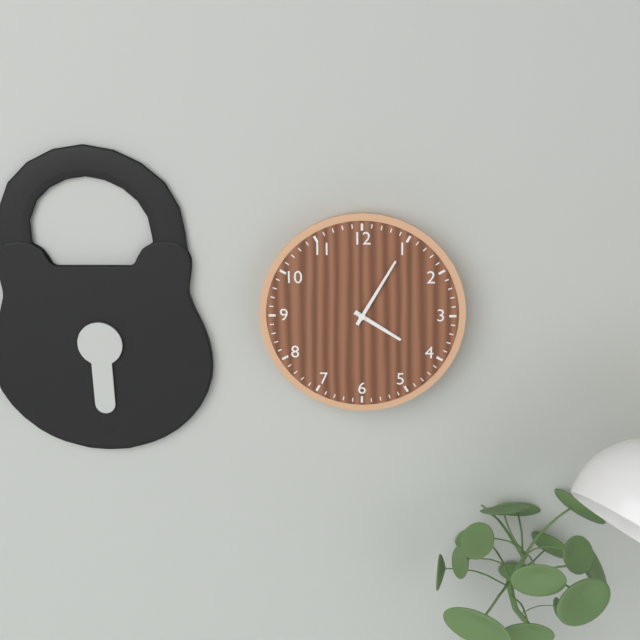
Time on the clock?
4:05
